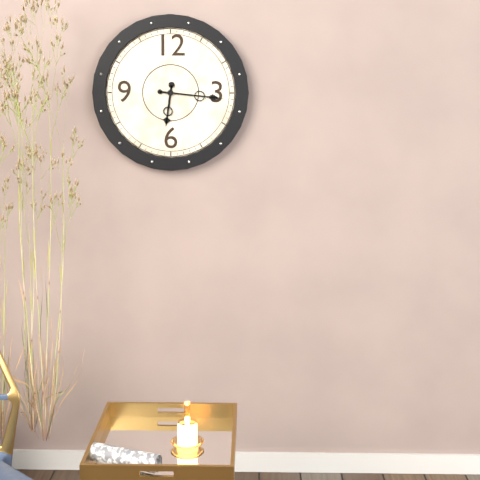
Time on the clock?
6:16
